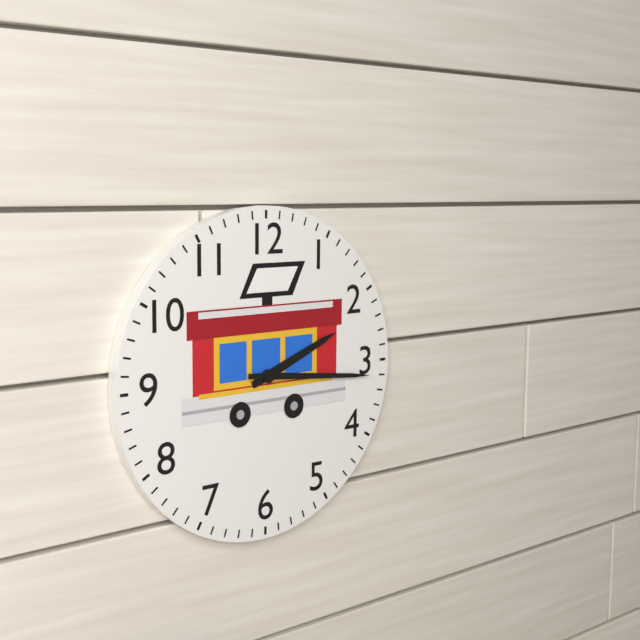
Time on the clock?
2:16
